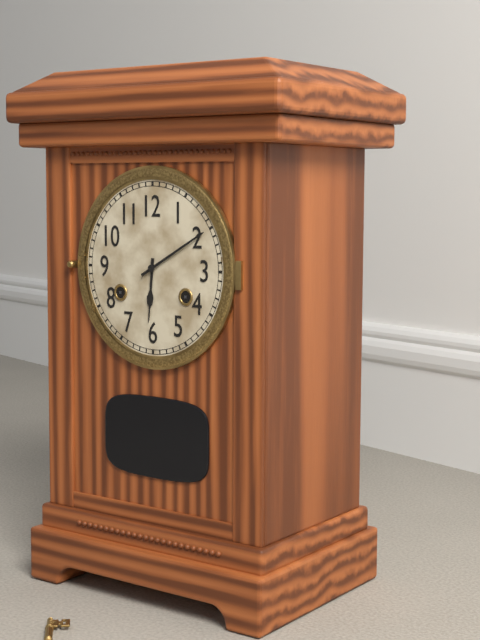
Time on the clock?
6:10
